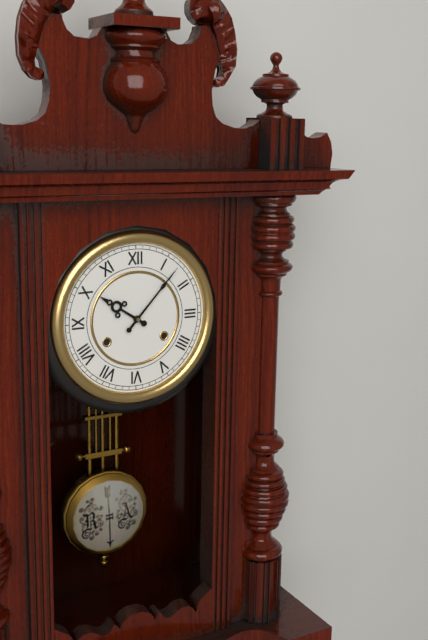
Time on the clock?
10:07
